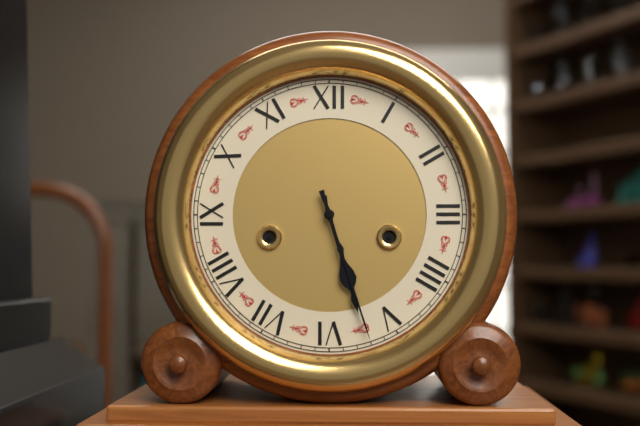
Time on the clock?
5:27
